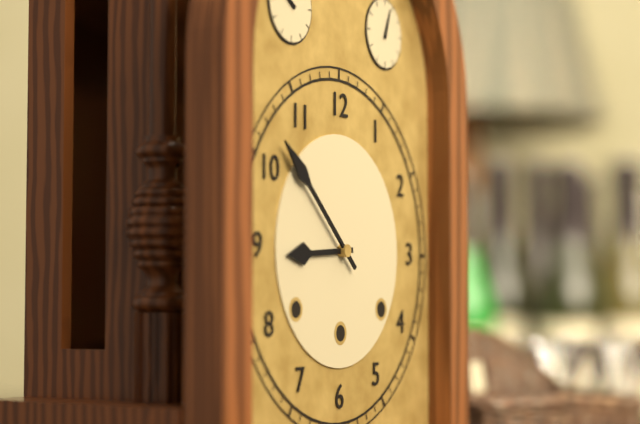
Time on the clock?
8:52
